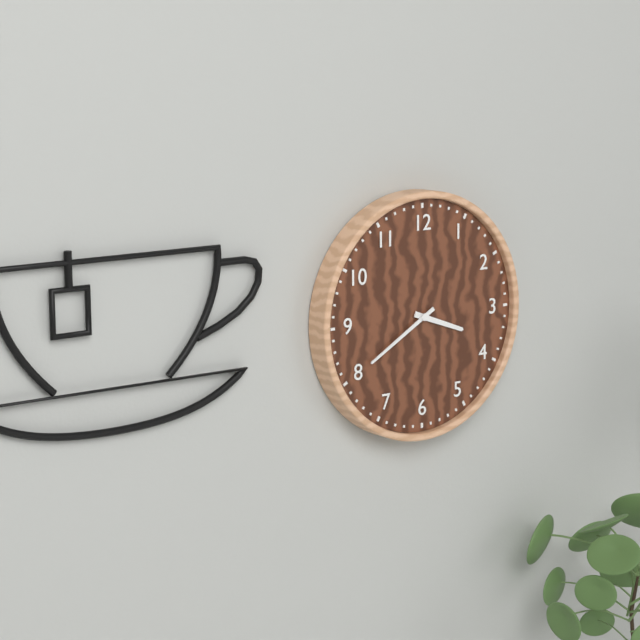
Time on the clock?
3:40
